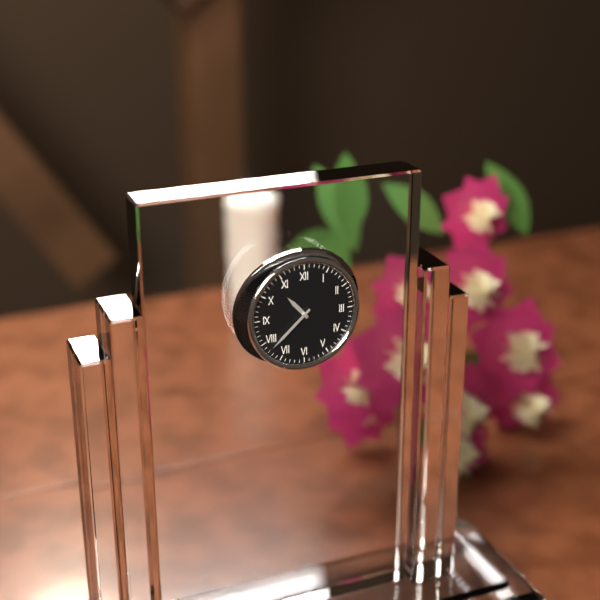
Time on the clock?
10:38
